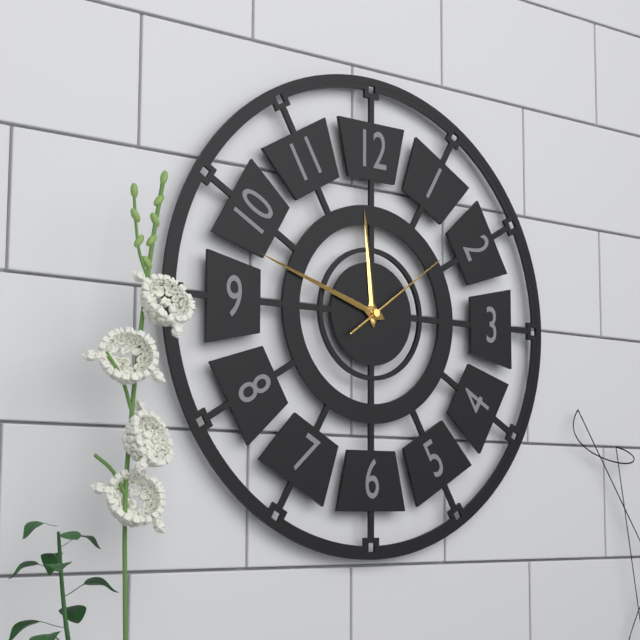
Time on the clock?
11:48:09
